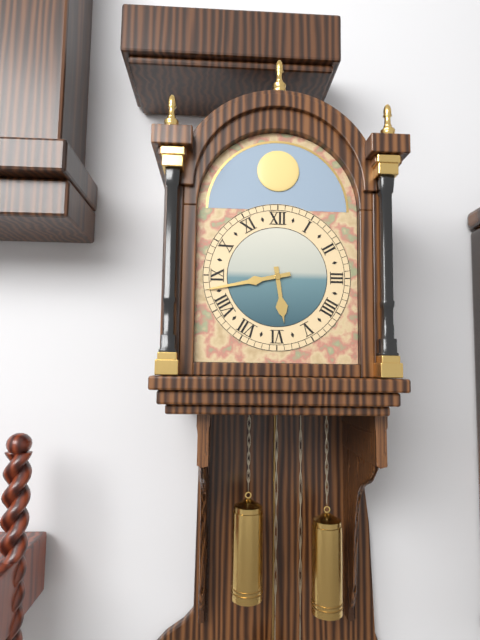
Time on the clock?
5:43
